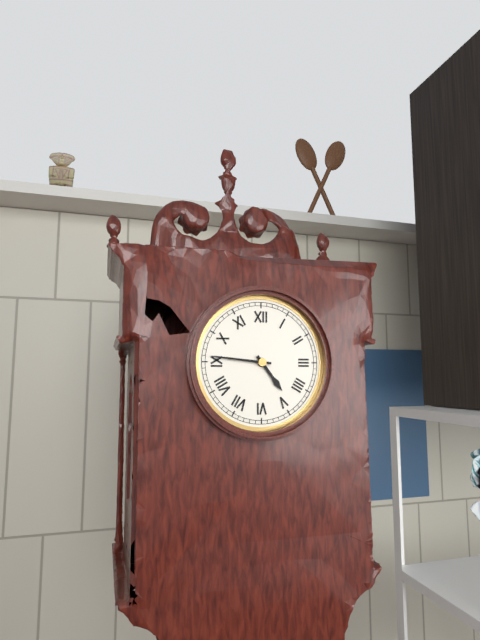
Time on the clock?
4:46
